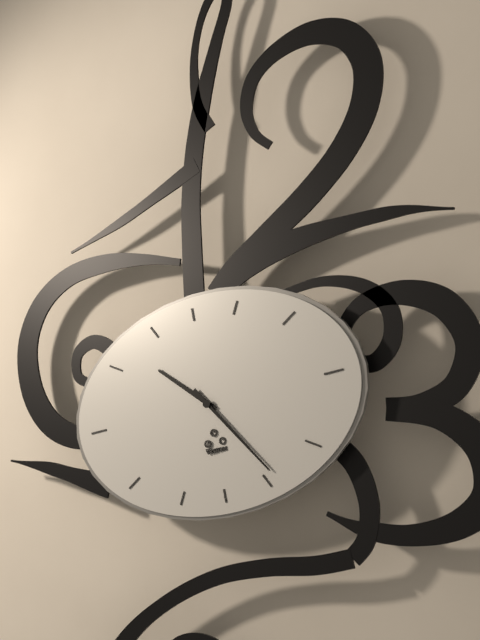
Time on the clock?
10:24
